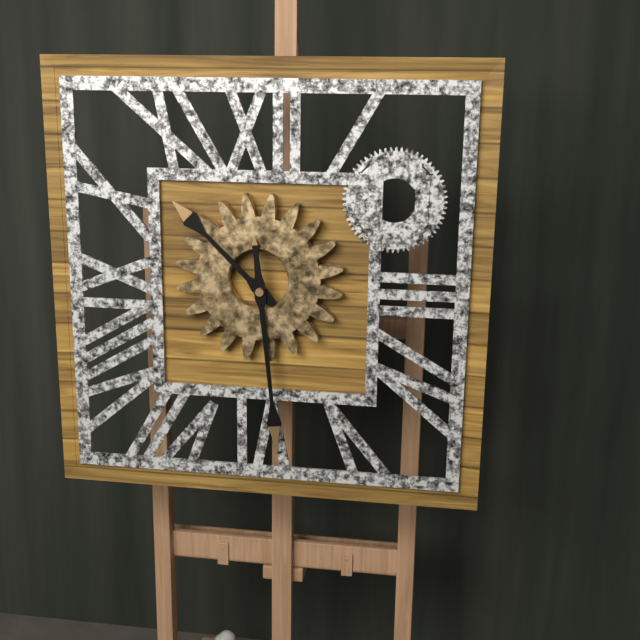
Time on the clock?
10:29
